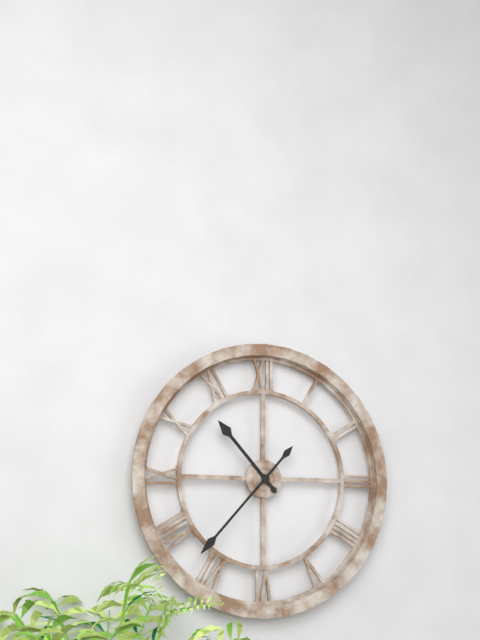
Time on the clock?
10:37
